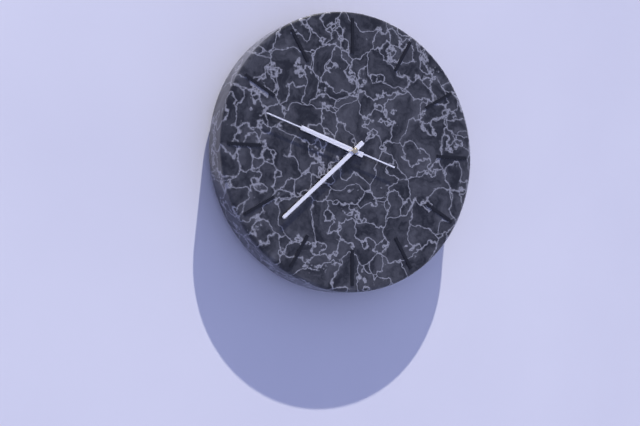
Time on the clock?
9:38:48
